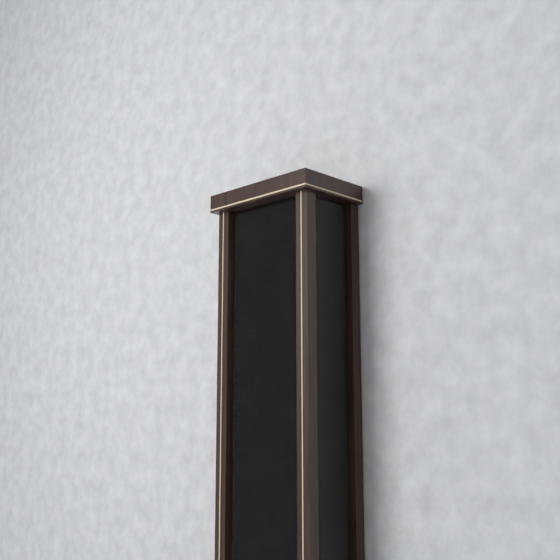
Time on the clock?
3:59
